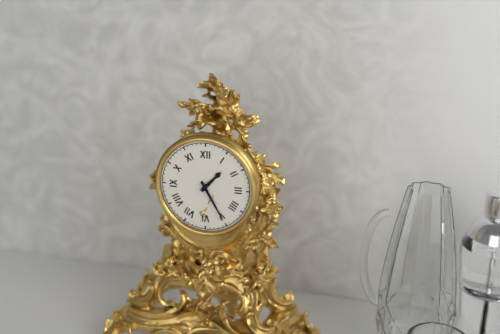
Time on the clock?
1:25
